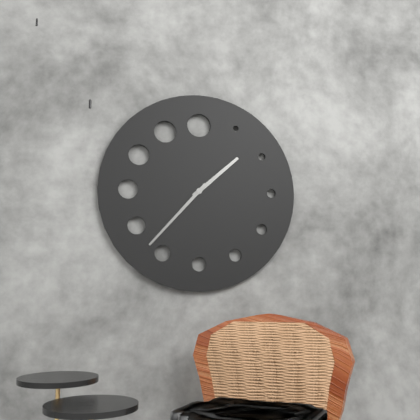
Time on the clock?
1:37
